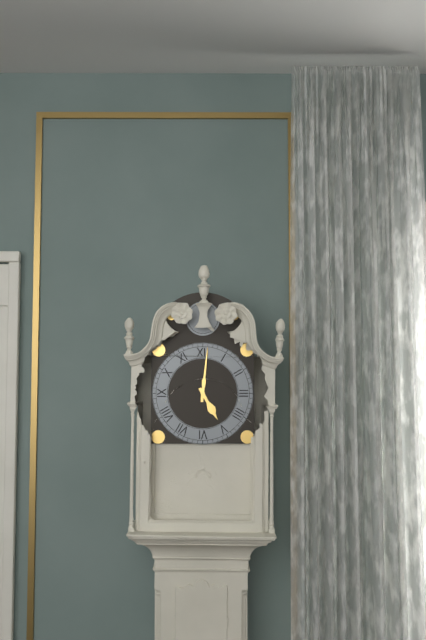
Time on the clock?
5:01
